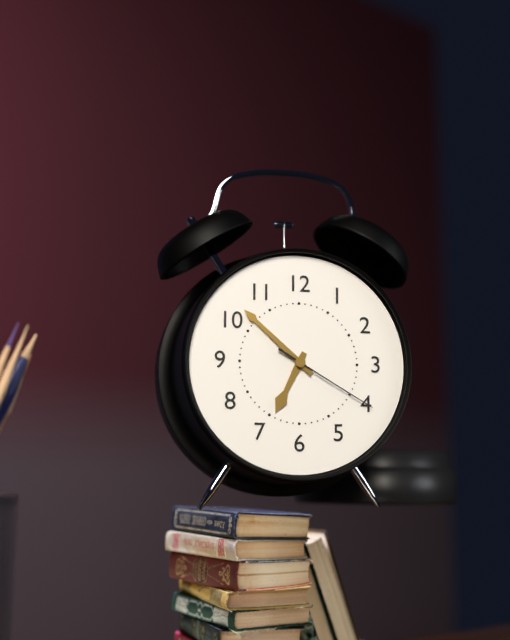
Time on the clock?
6:52:20
